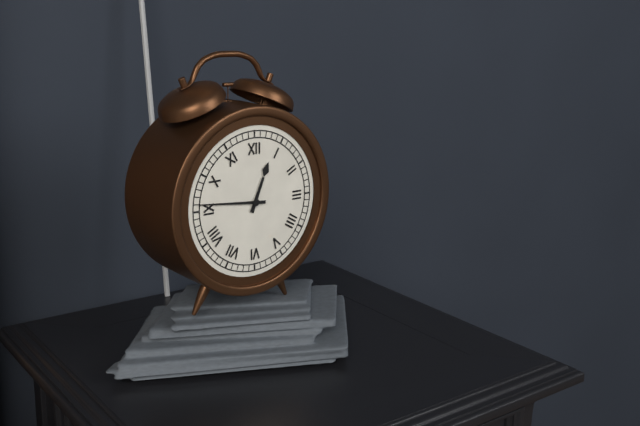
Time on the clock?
12:46
